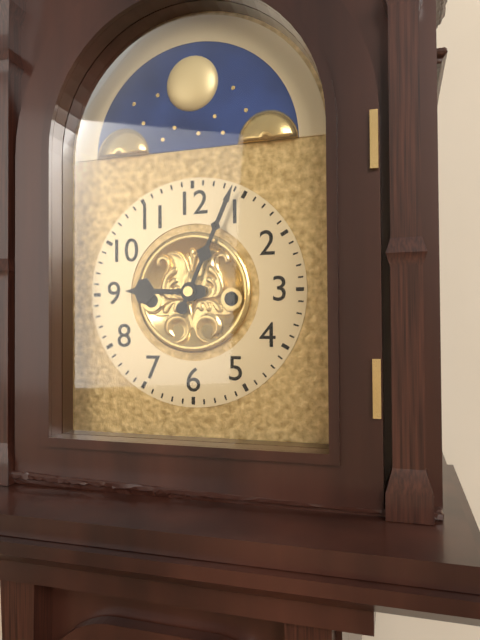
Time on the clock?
9:04
